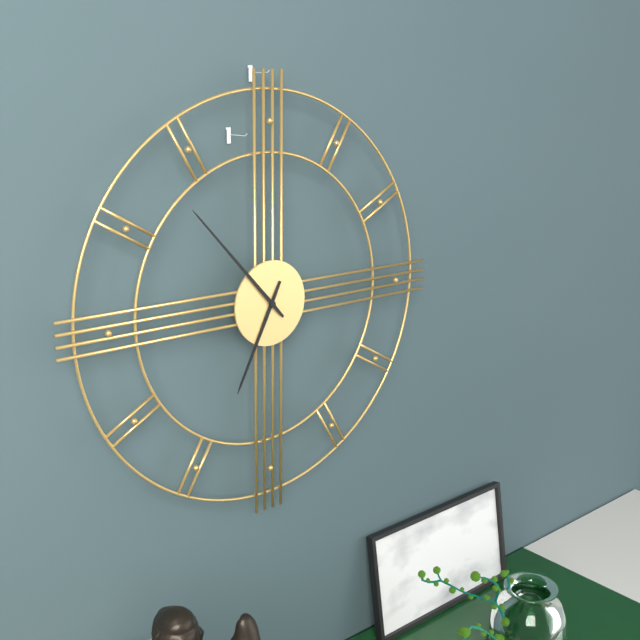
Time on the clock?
6:53
